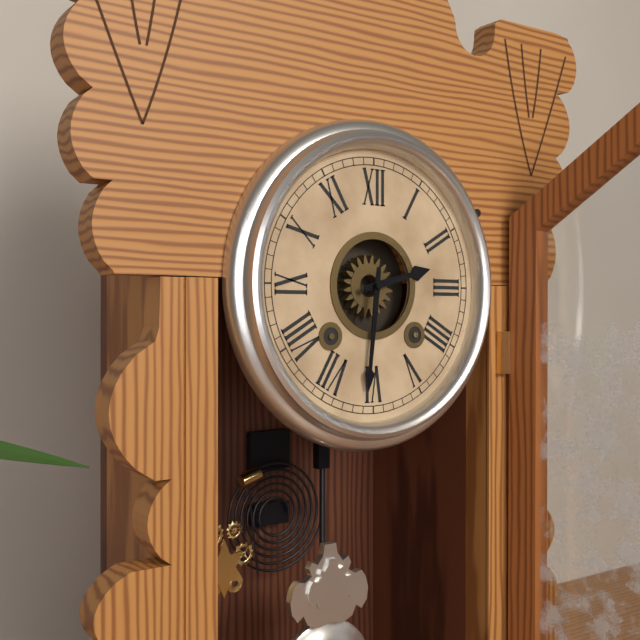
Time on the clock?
2:31
